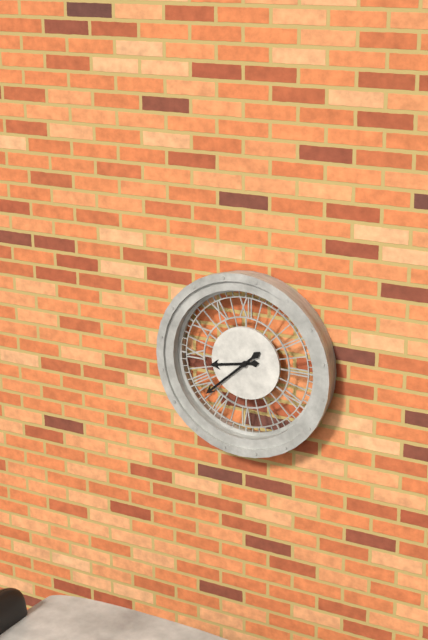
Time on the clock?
8:38
